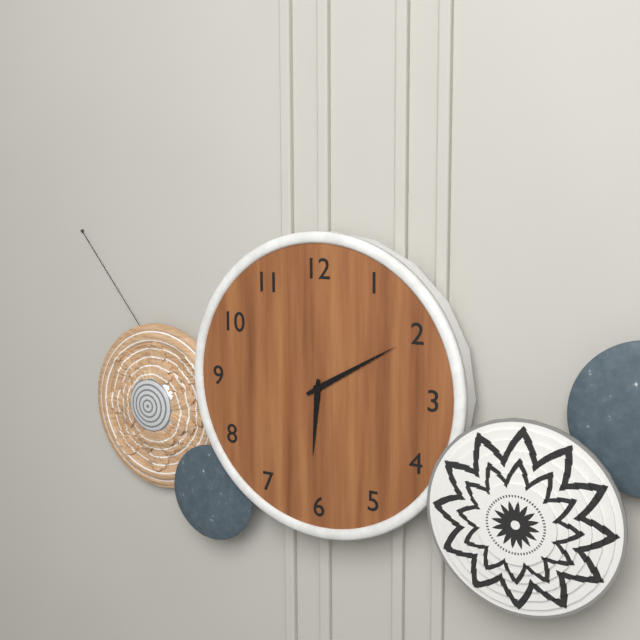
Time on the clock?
6:10
